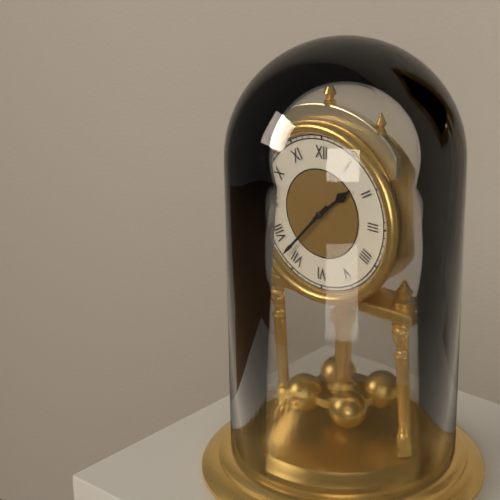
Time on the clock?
1:37
